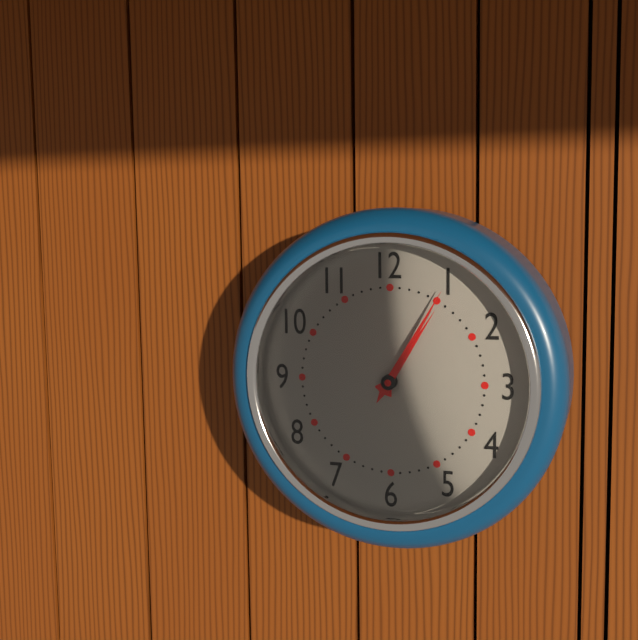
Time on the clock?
1:05
